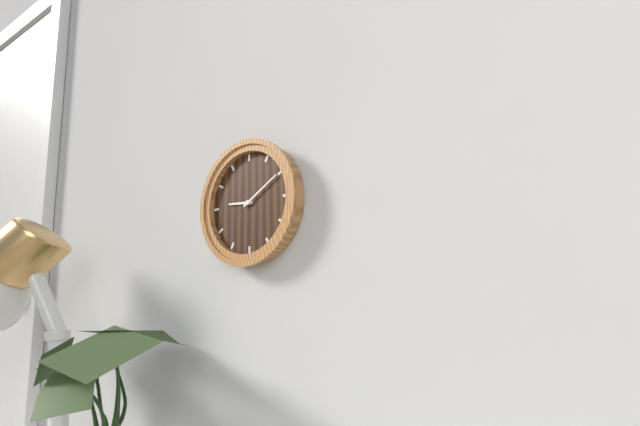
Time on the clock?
9:10
